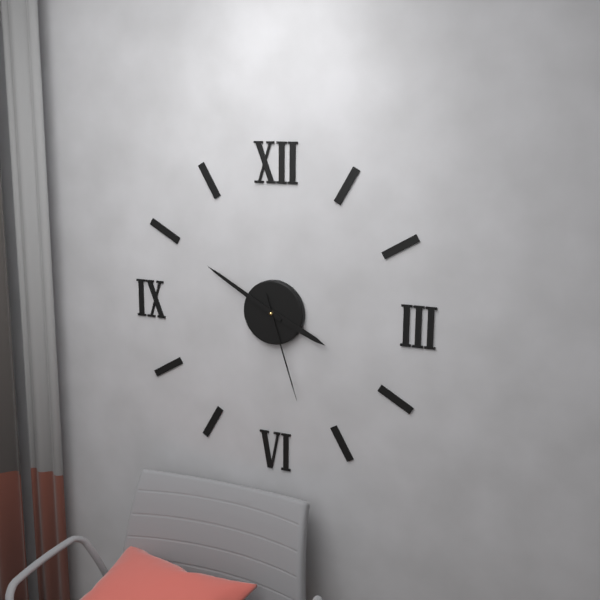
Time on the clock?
3:50:27
